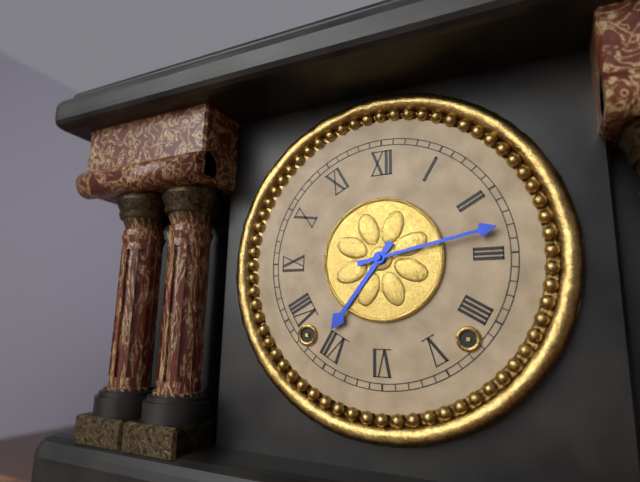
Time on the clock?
7:13
